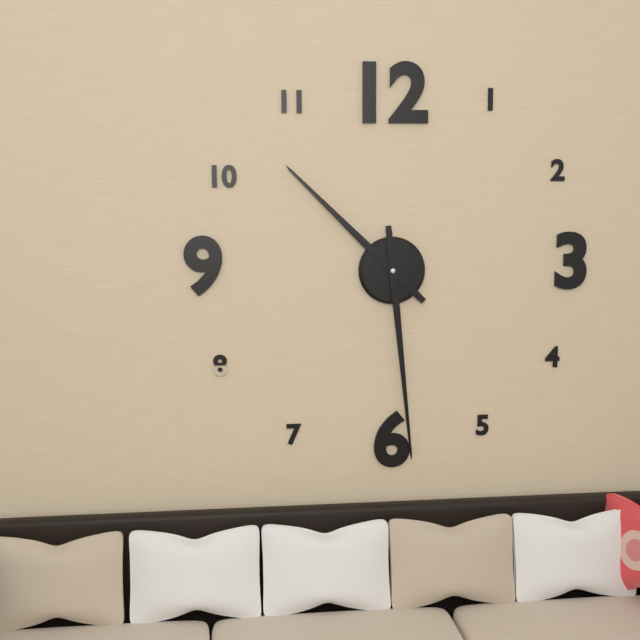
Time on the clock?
10:29
